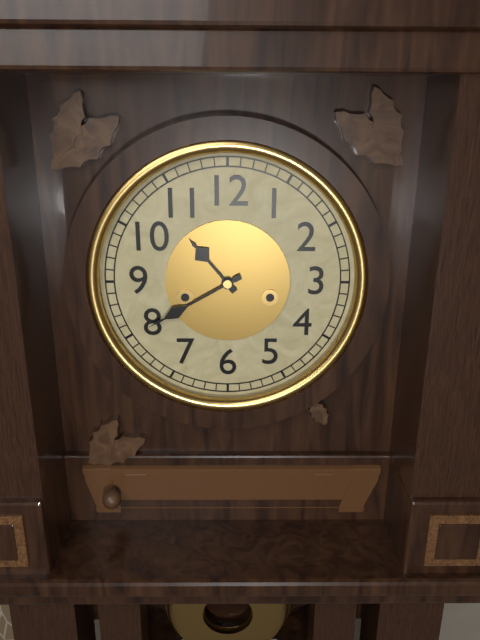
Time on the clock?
10:40
